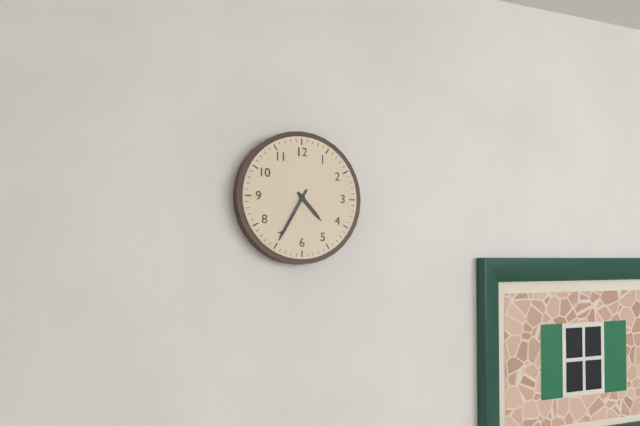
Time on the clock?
4:35
